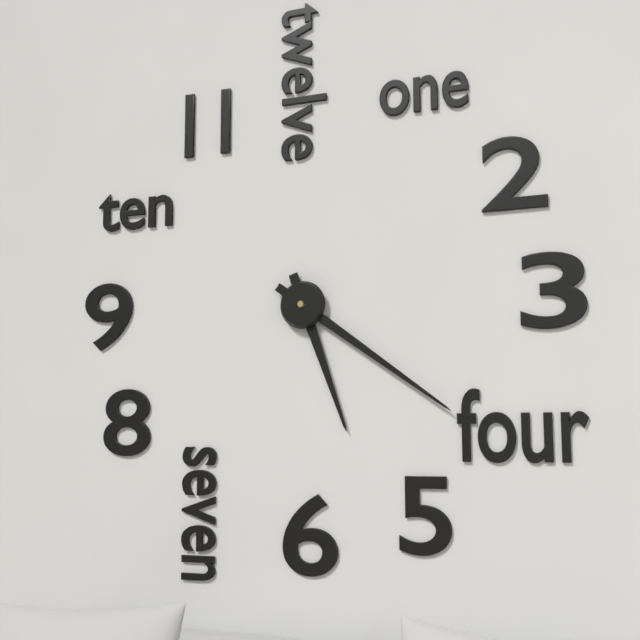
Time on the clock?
5:21
